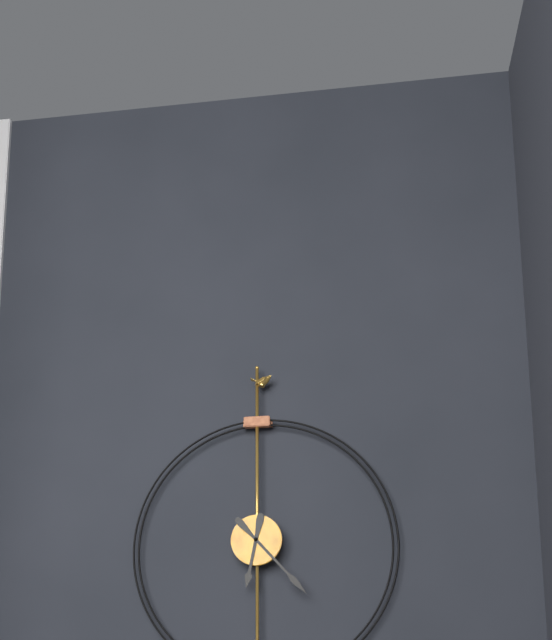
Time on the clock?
6:23
